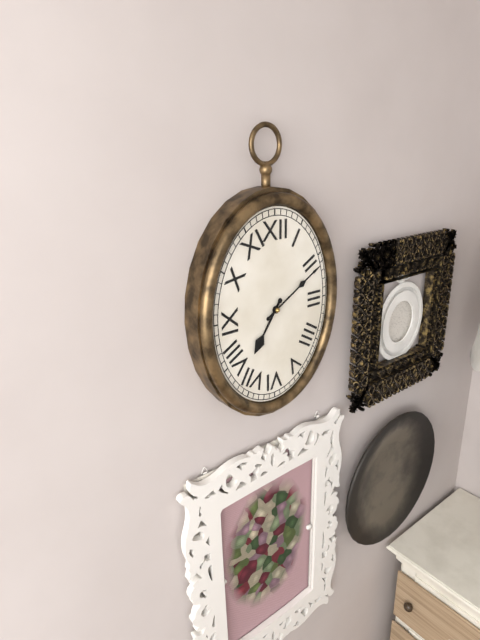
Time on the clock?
7:10
